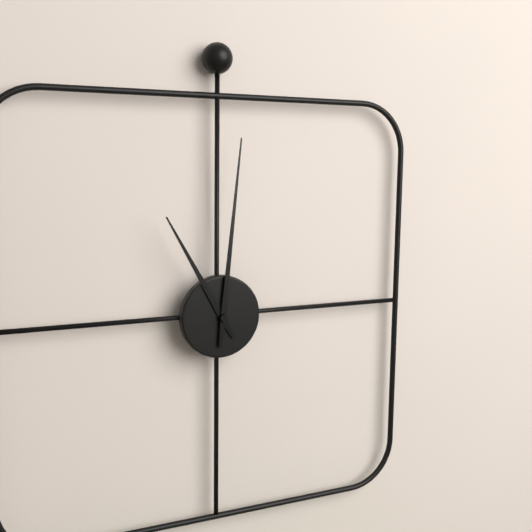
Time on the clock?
11:01
